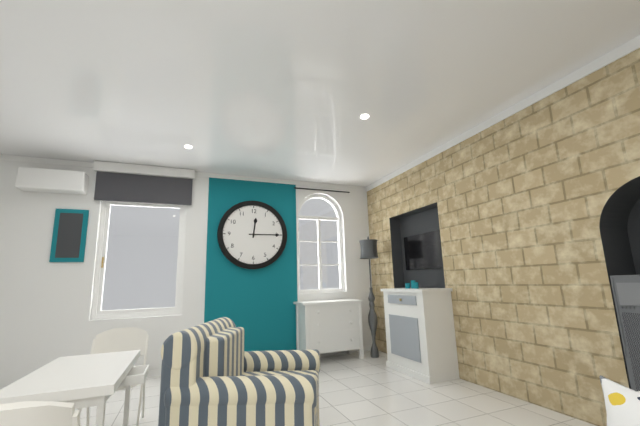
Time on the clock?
12:15
